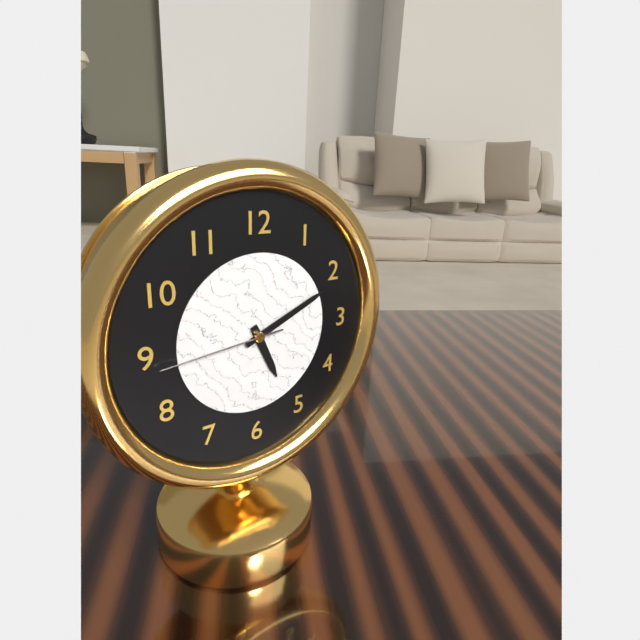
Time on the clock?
5:11:44
